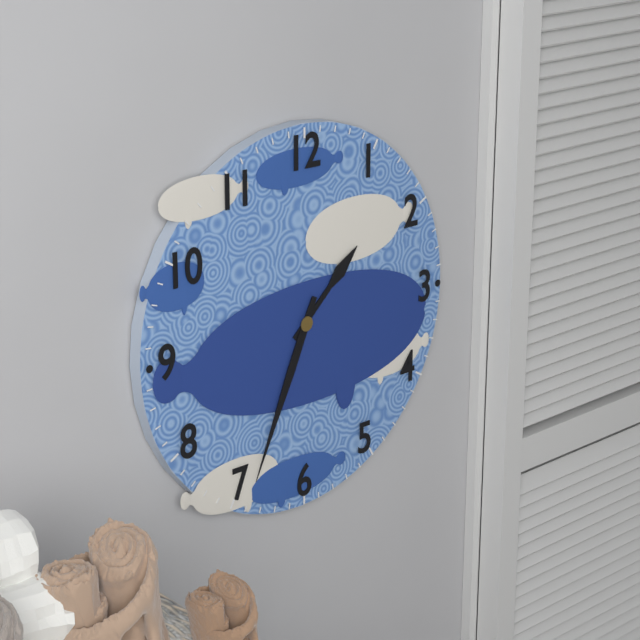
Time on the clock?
1:34
